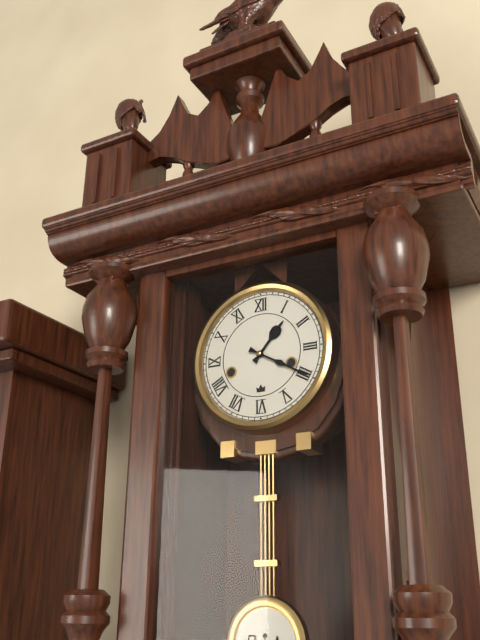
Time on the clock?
1:20
